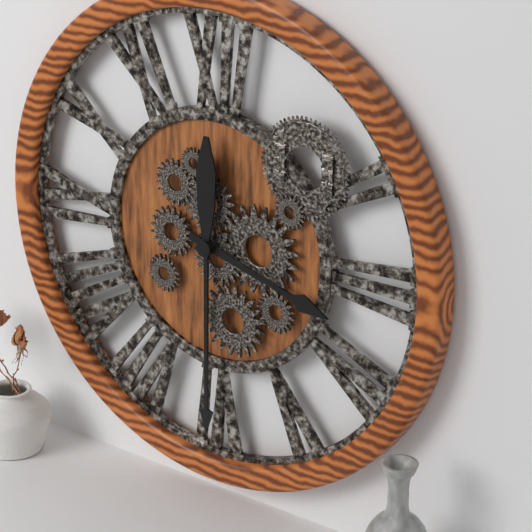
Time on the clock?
3:30
